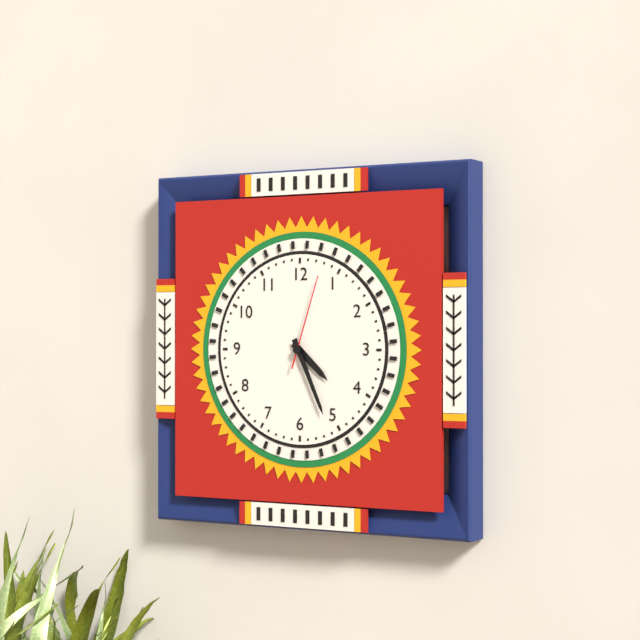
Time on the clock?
4:26:03
